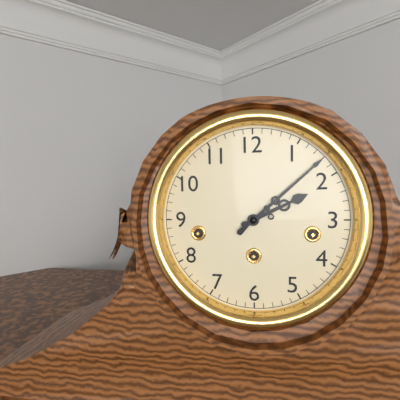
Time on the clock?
2:08
